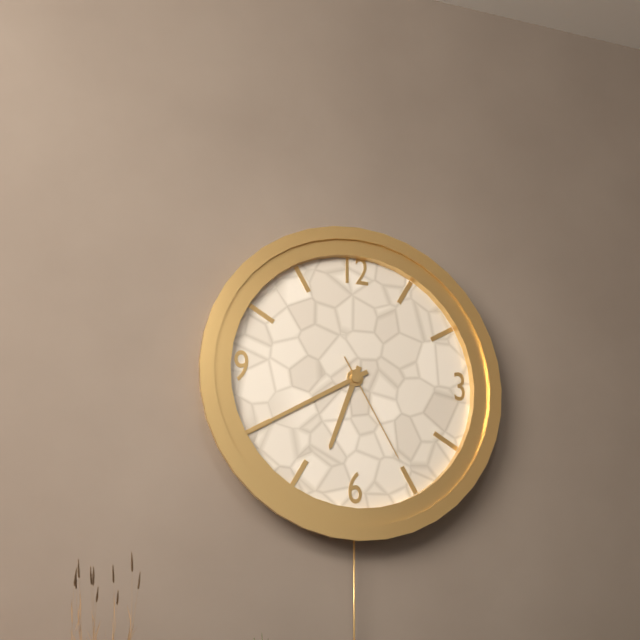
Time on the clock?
6:40:25
